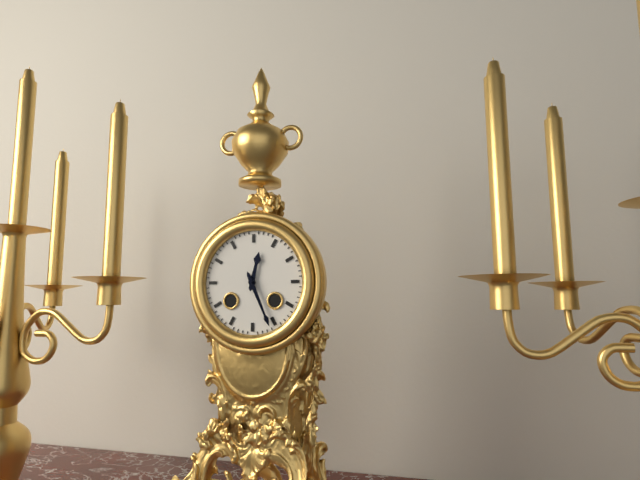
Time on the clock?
12:26
